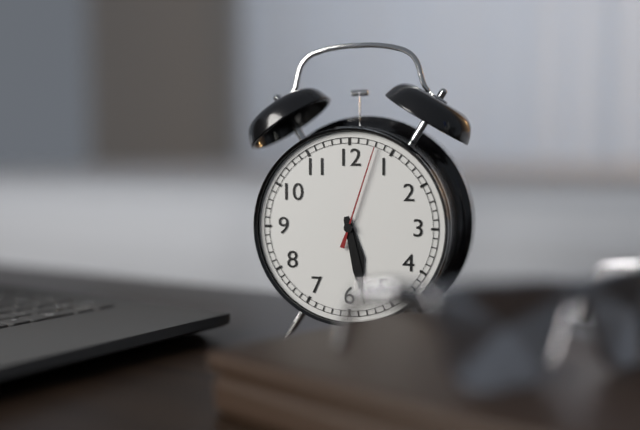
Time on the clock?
5:28:03
